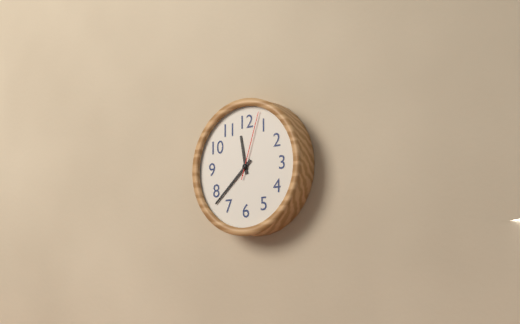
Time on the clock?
11:38:03
